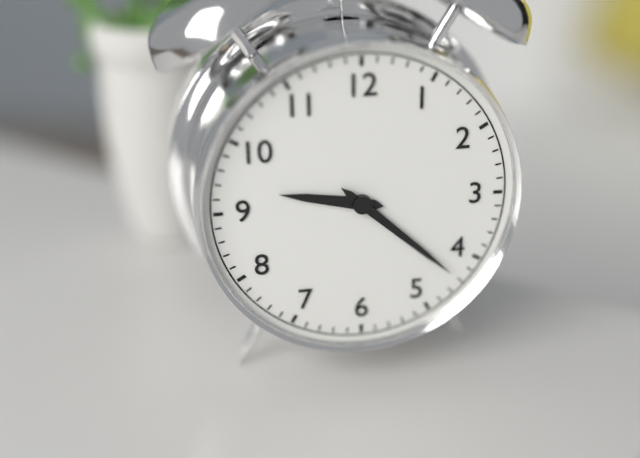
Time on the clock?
9:22
